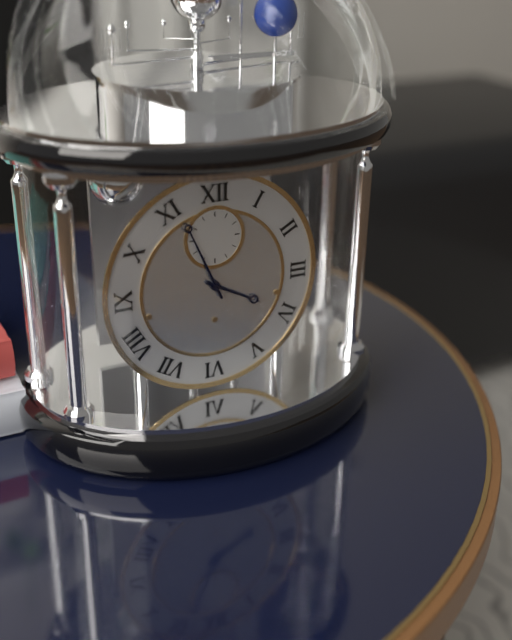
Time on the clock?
3:56
